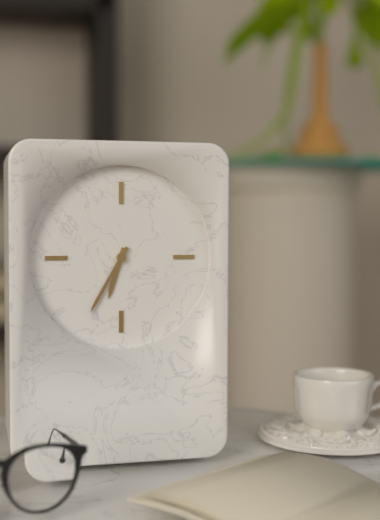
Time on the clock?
6:35
